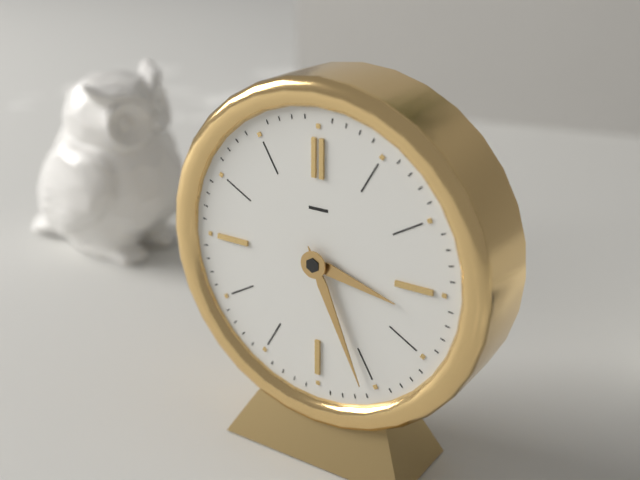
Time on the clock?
3:26
